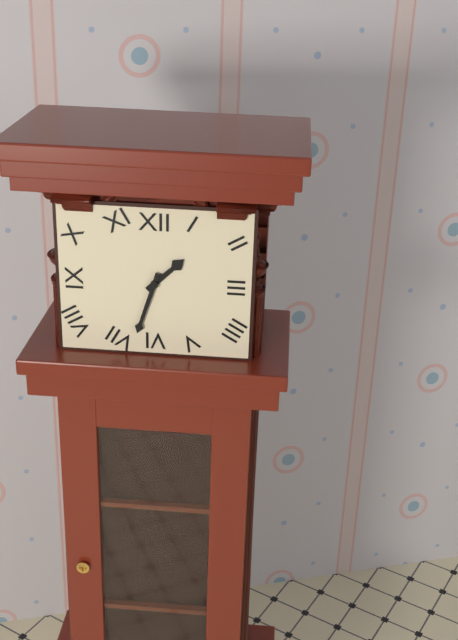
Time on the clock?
1:33
